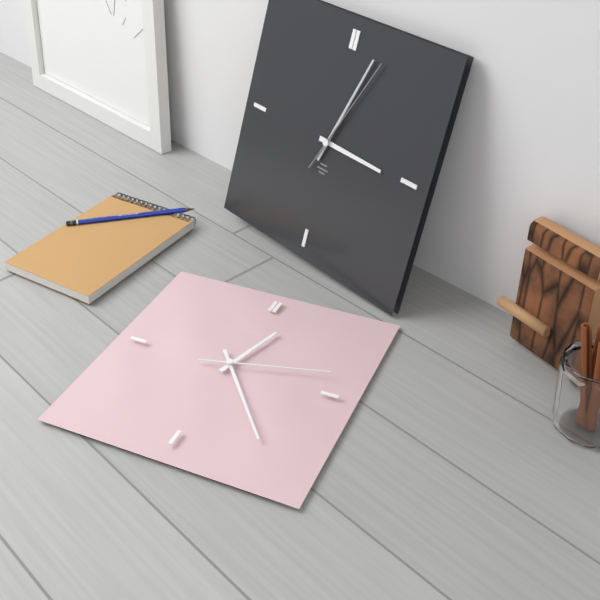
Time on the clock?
3:03:04
